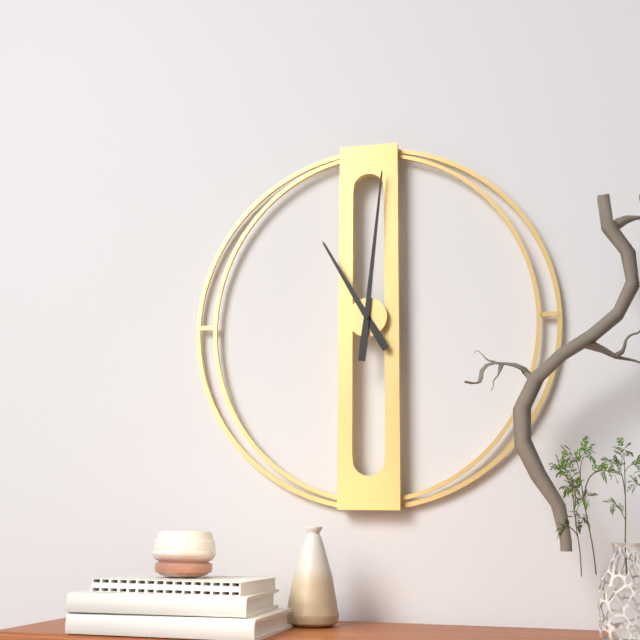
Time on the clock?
11:01
